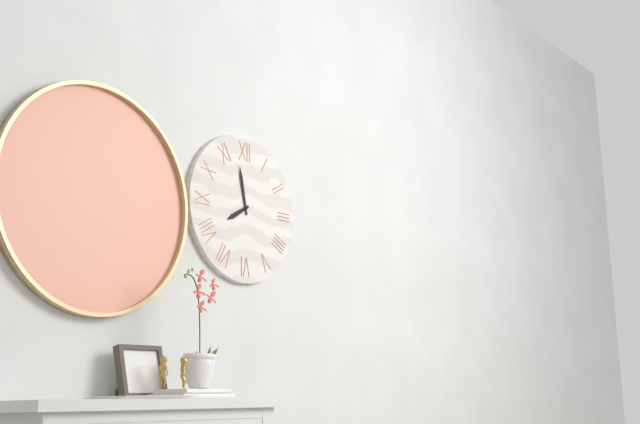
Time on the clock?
7:58
